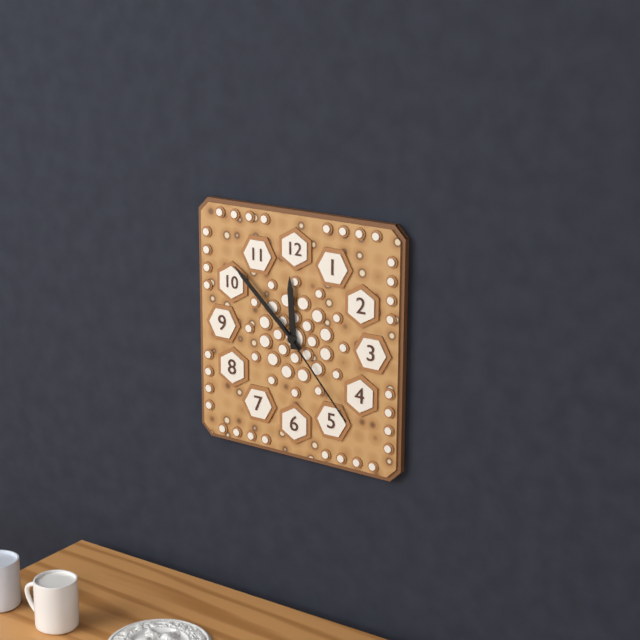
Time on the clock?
11:52:23
